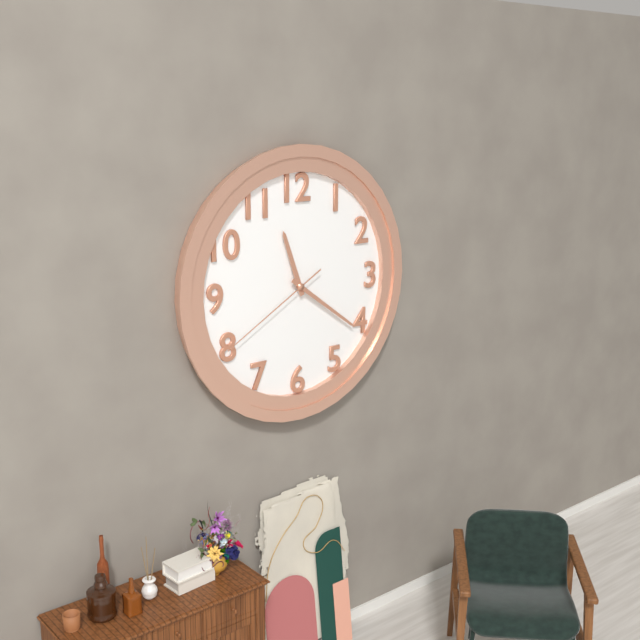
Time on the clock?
11:21:40
